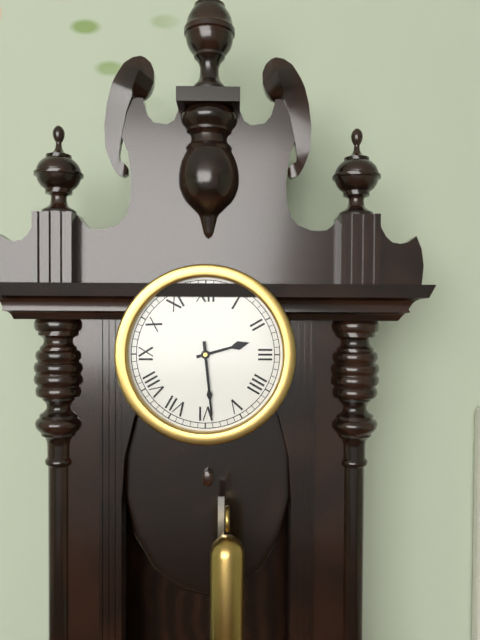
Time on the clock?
2:29
